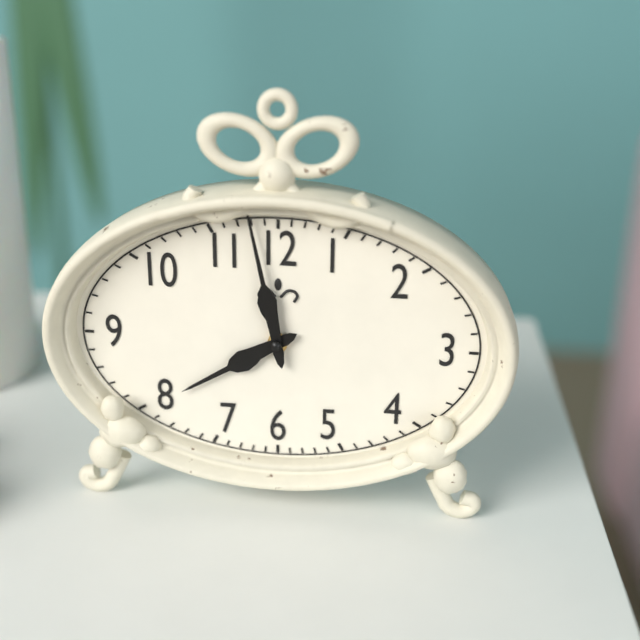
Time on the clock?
7:58
